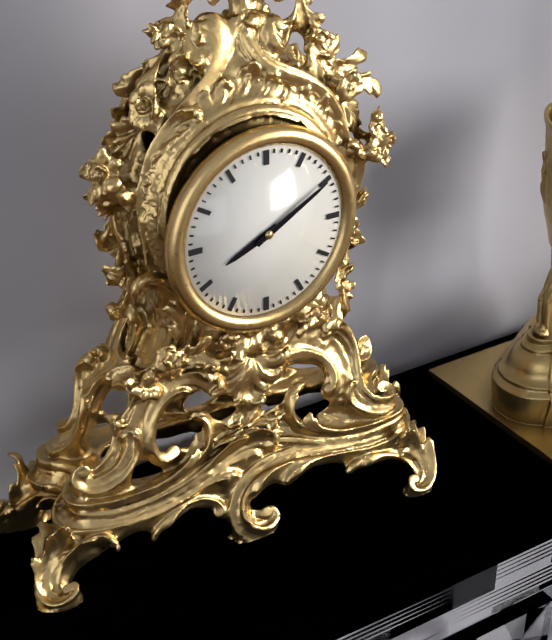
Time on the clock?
8:10
